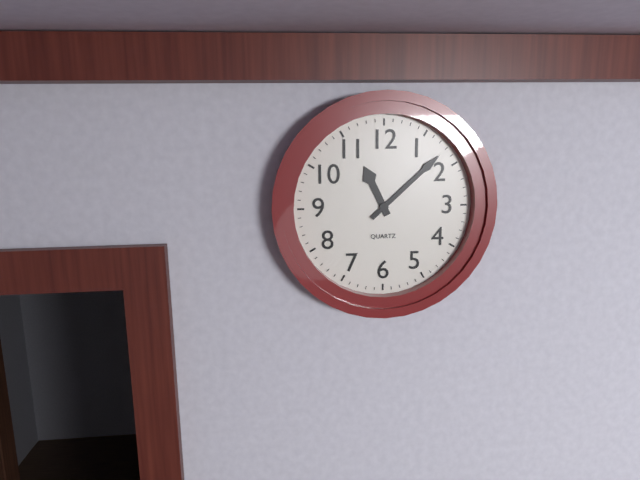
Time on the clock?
11:08
